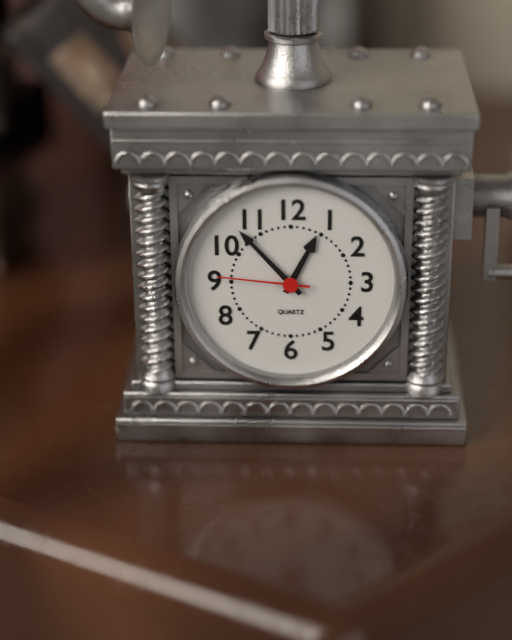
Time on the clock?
12:53:46
